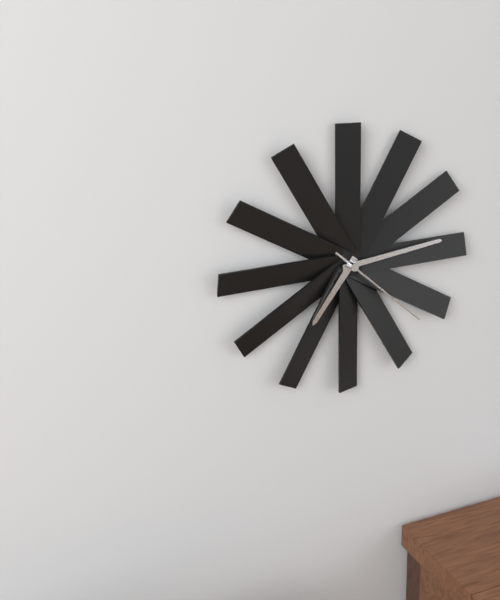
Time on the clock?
7:14:22
